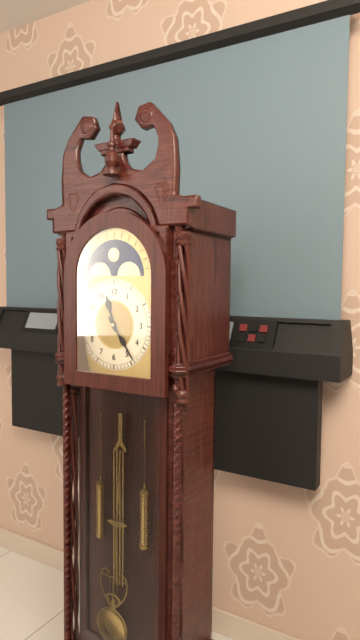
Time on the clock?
11:24
